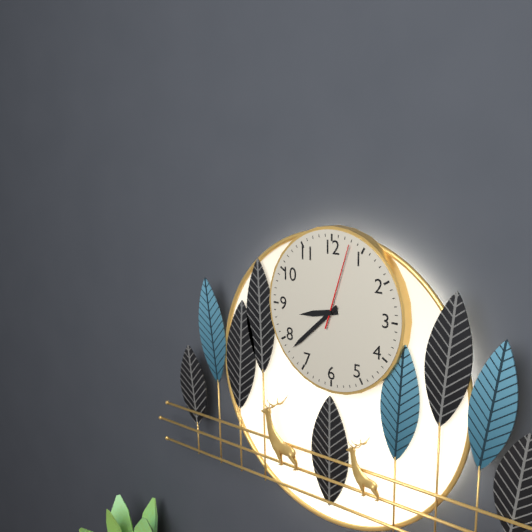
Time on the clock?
8:38:03
